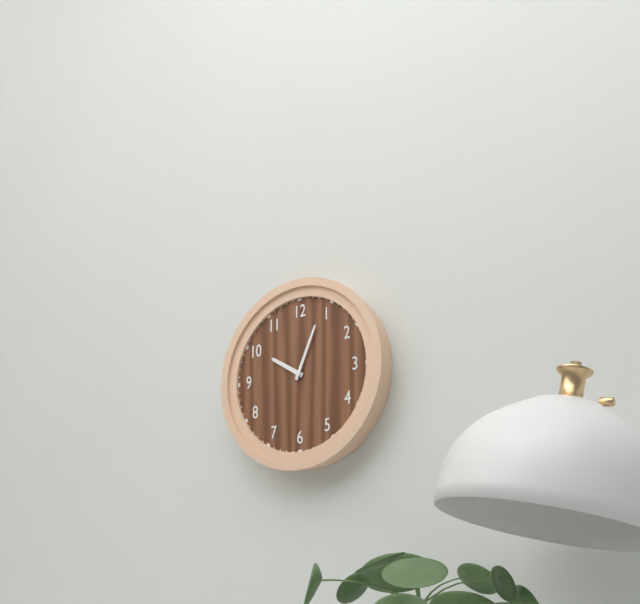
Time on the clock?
10:04
